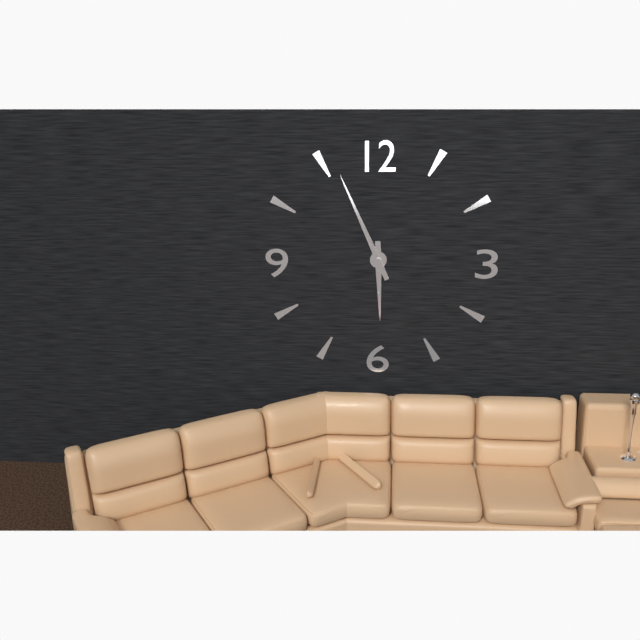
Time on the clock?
5:56
